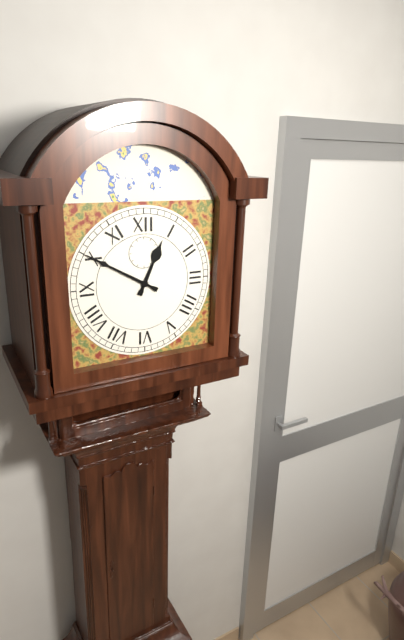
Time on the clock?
12:50
